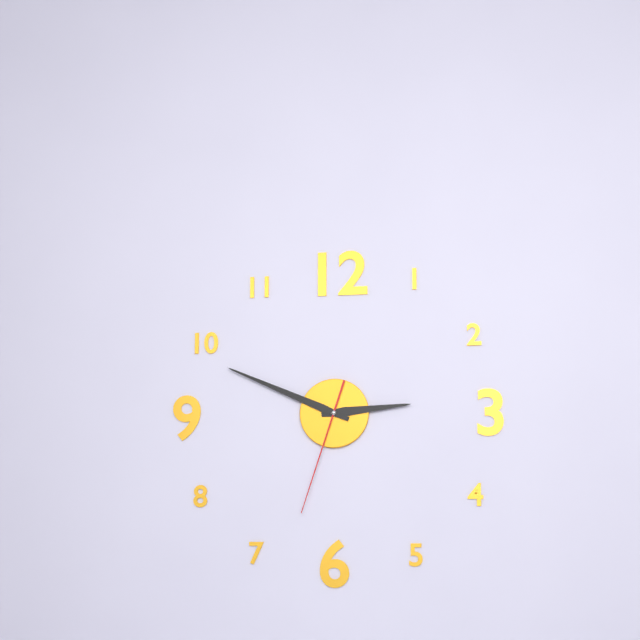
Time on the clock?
2:49:33
